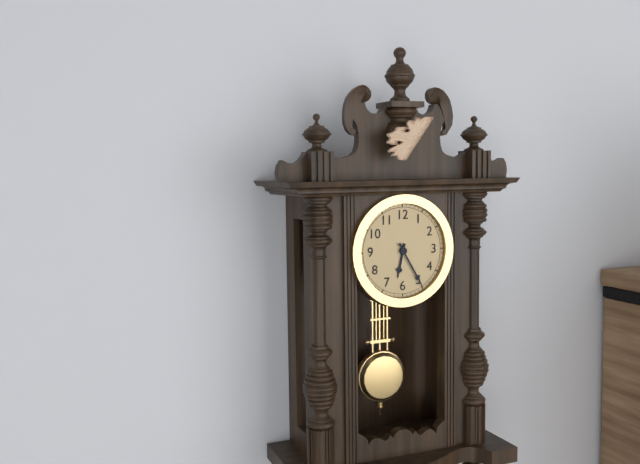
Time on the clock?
6:25
